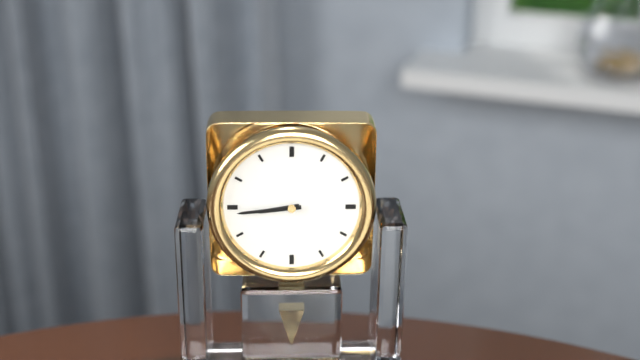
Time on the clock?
8:44
